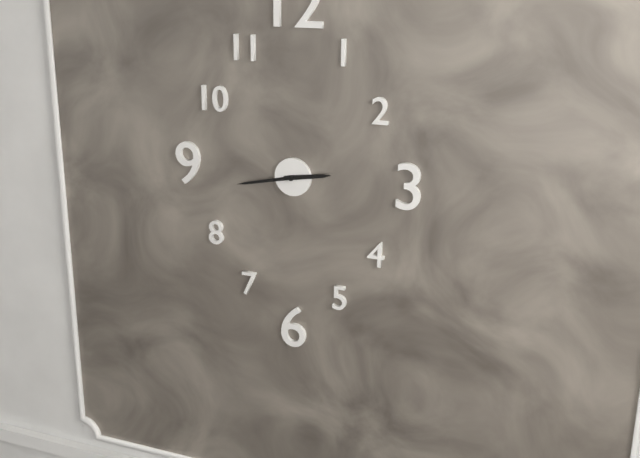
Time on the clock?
2:43
